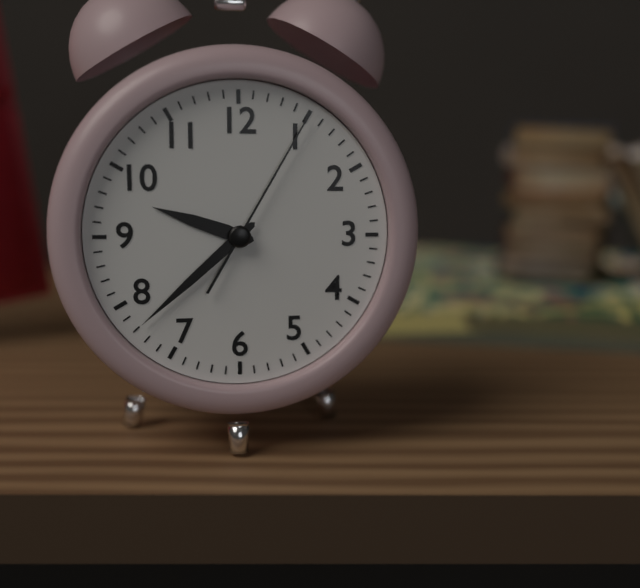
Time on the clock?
9:38:05
